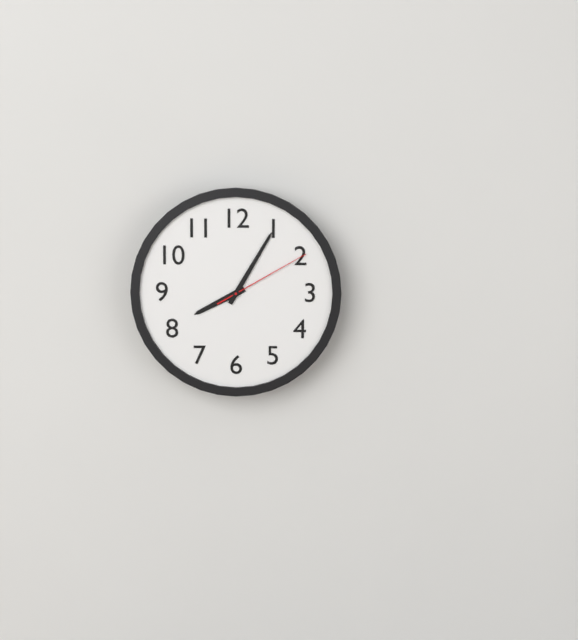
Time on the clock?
8:05:10
